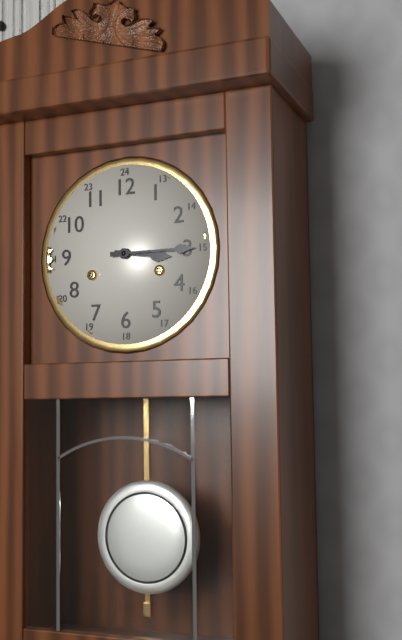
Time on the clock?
3:15
